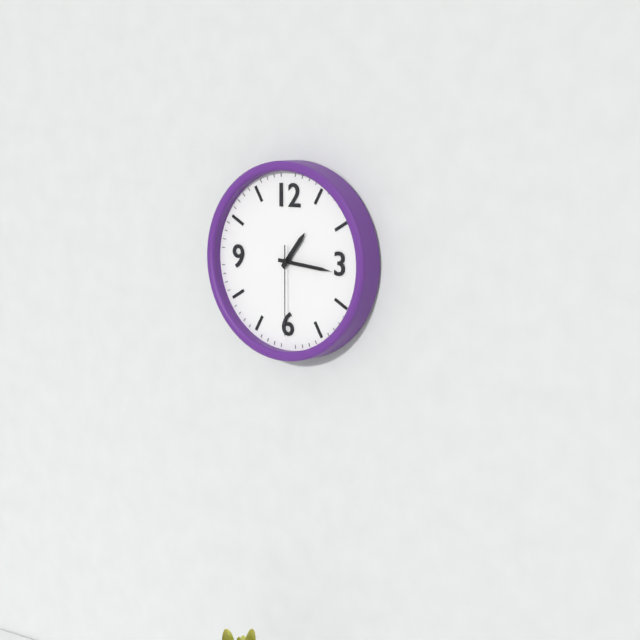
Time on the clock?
1:16:30
